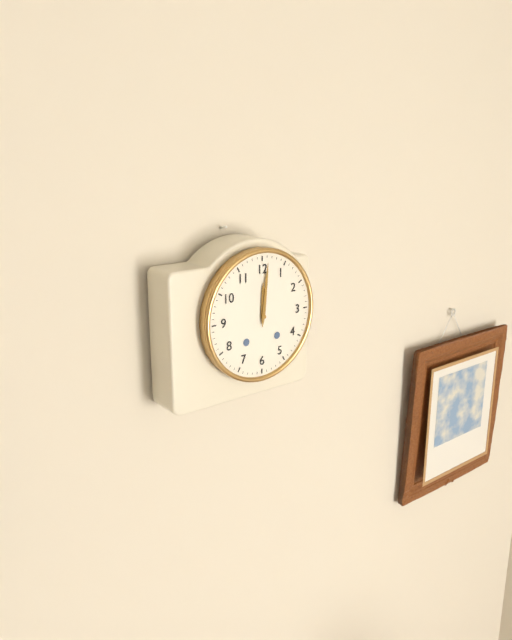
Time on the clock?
12:01
